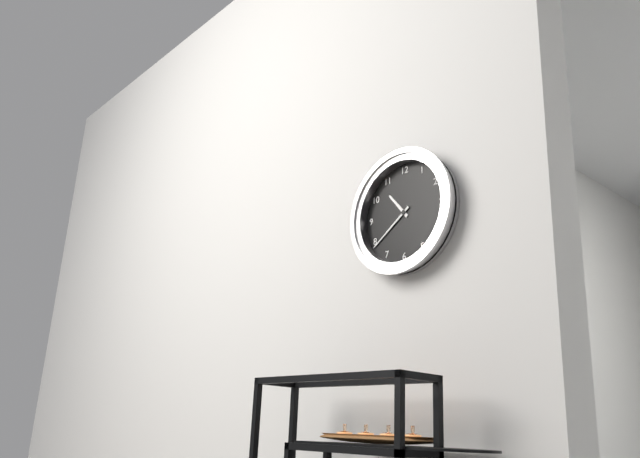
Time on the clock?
10:39
